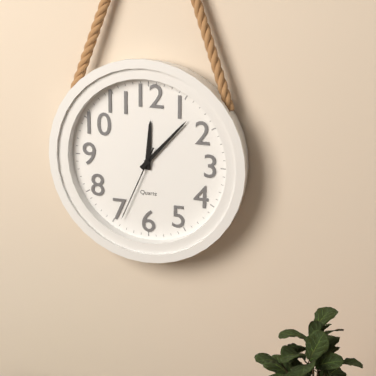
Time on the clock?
12:07:34
